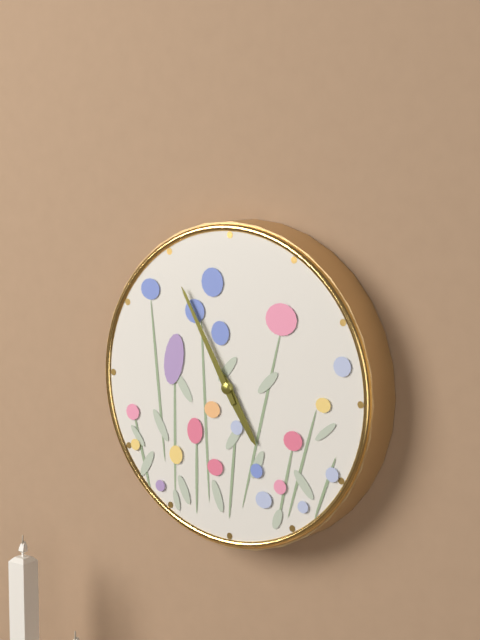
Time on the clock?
4:55
